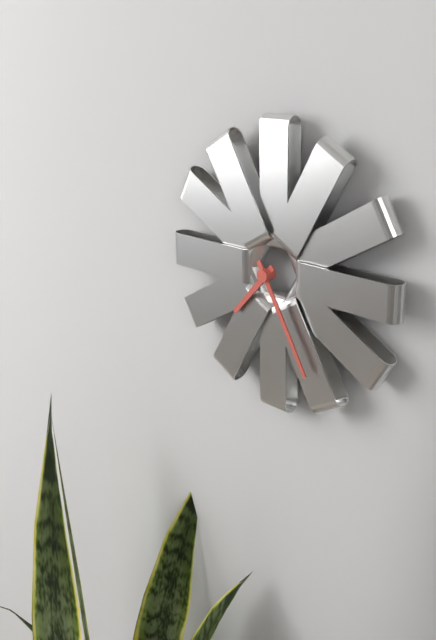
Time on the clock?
7:25
